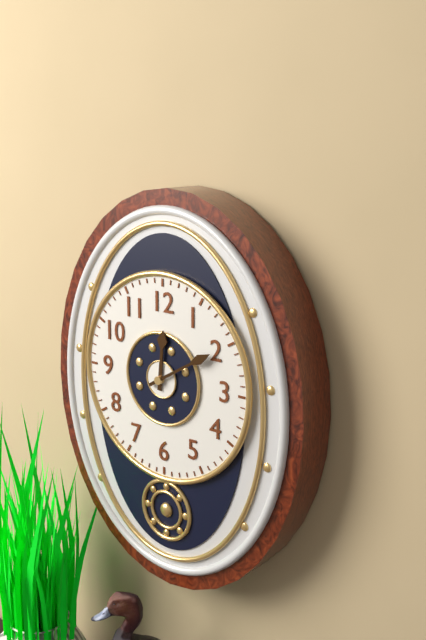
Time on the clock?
12:10
